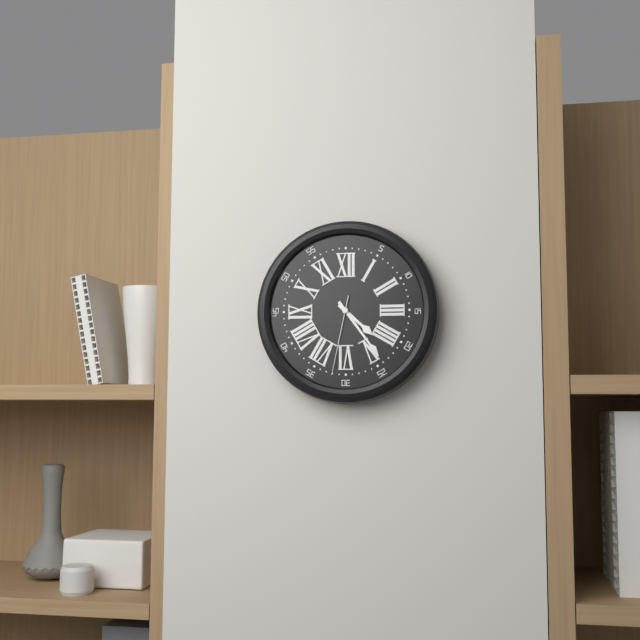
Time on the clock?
4:24:32
